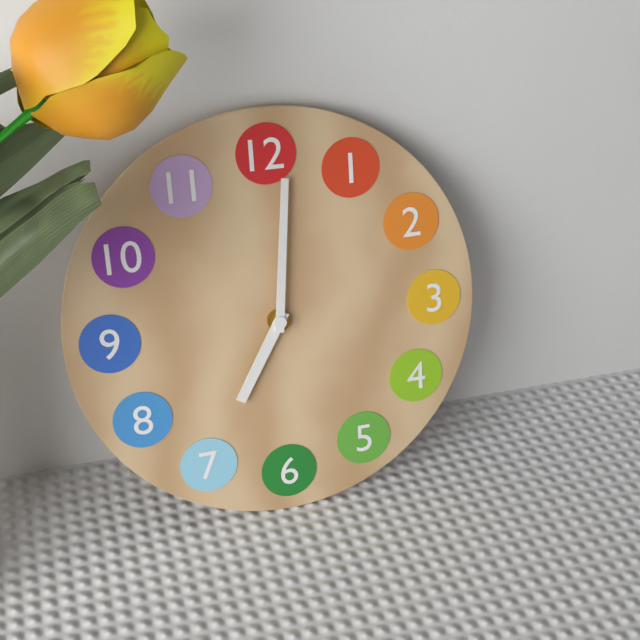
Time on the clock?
7:01
